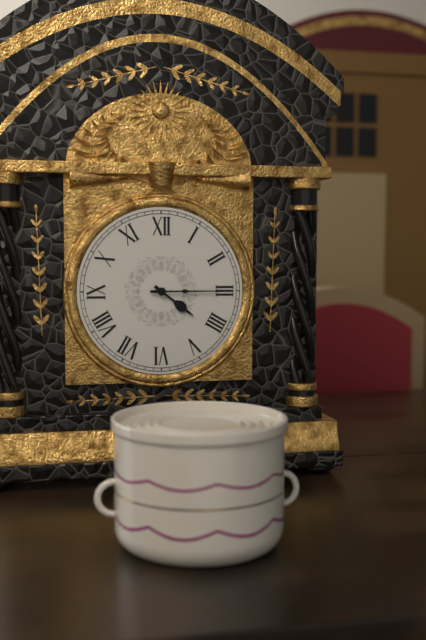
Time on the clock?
4:15
